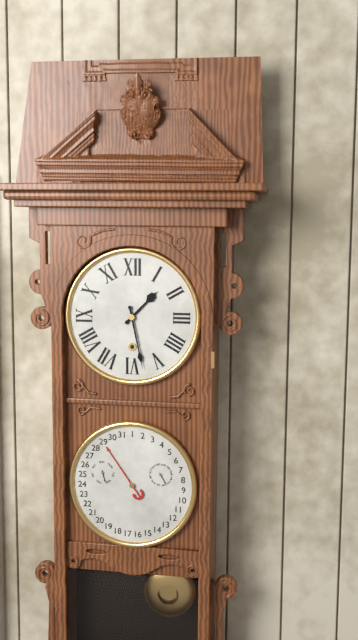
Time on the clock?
1:28
